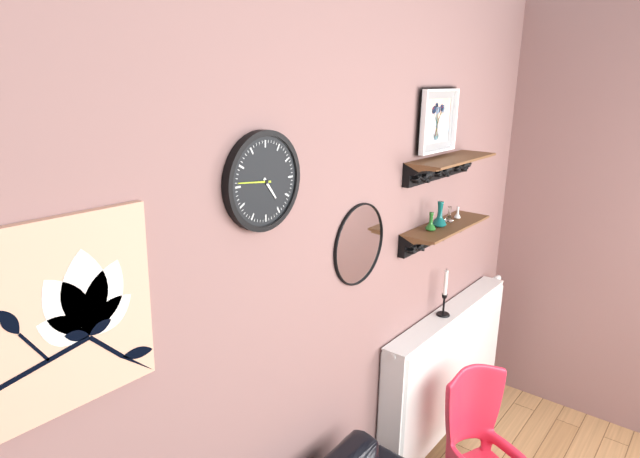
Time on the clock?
4:46
